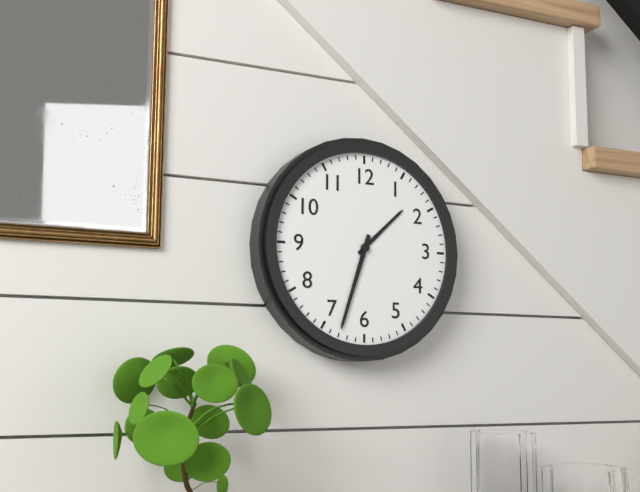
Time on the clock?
1:33
